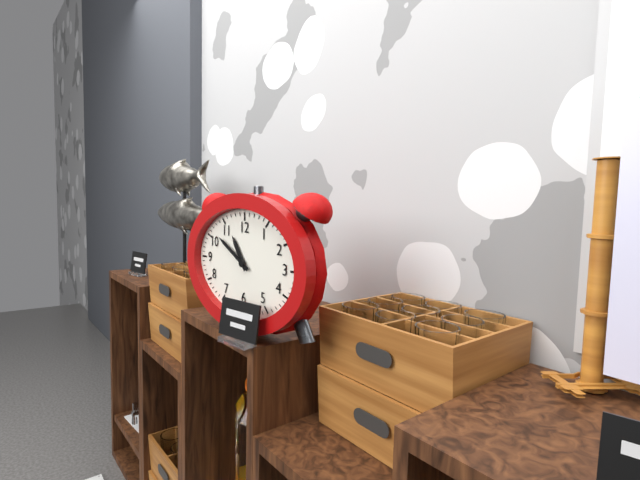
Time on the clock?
10:50
